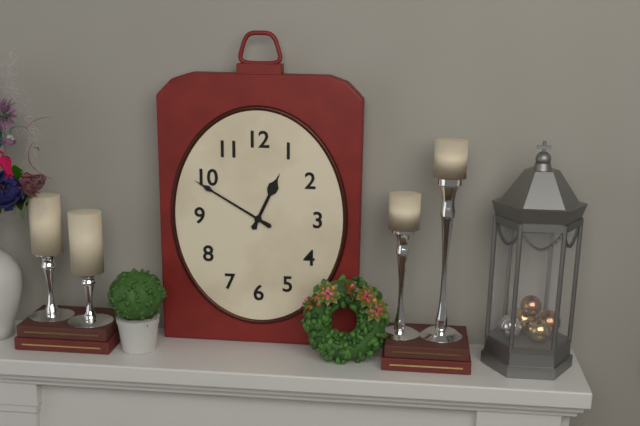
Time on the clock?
12:50
